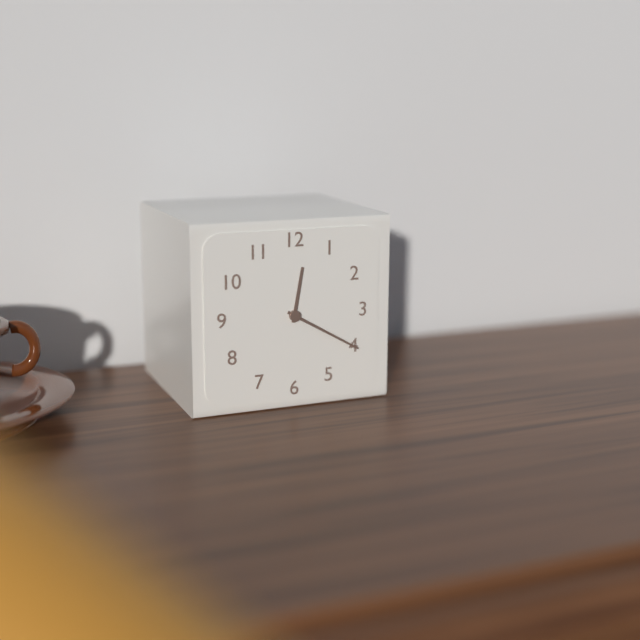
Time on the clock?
12:20
